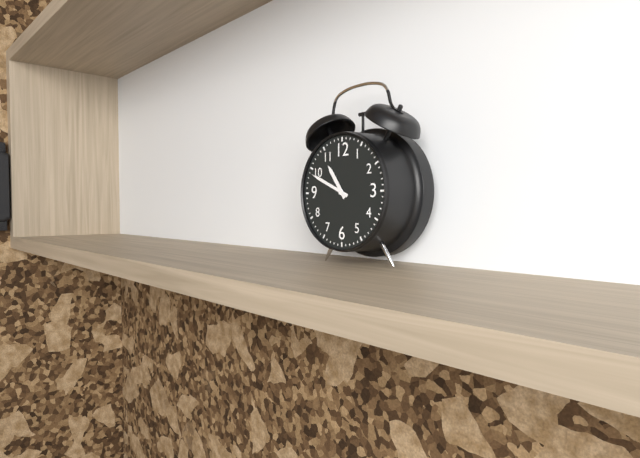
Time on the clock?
10:49
